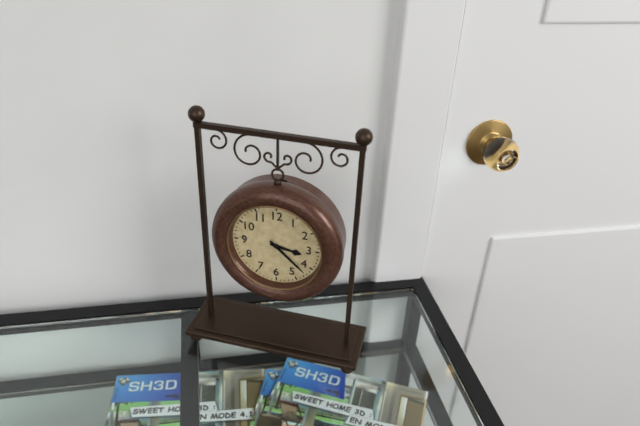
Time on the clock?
3:22
